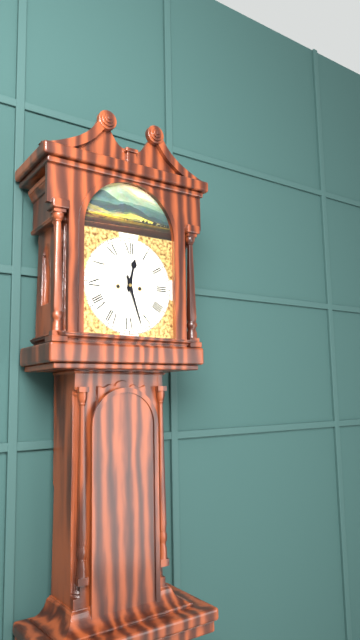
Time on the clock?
12:27
